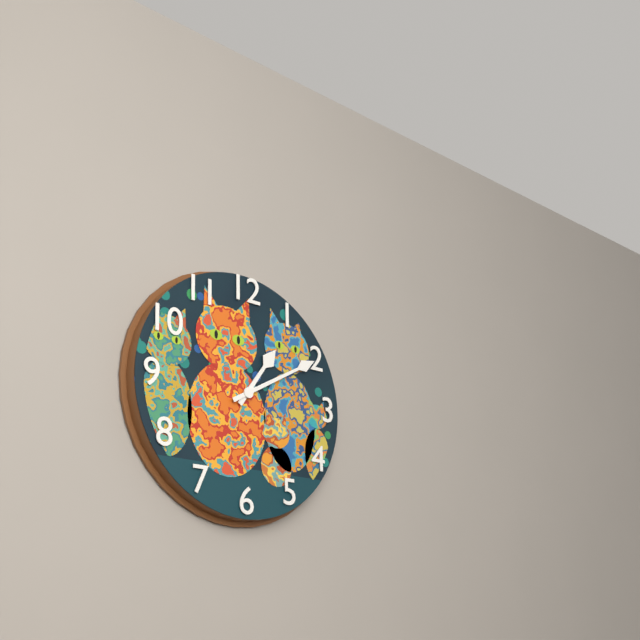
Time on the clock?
1:10
